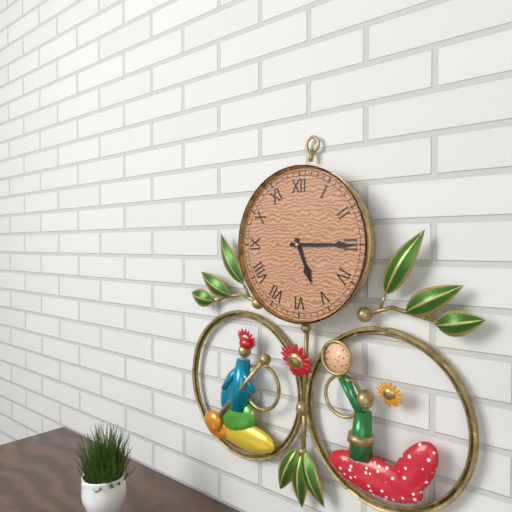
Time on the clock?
5:15
